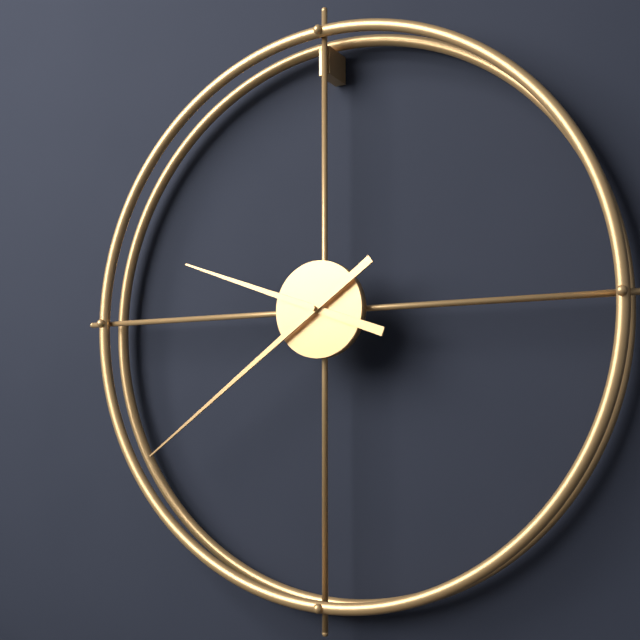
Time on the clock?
9:39
